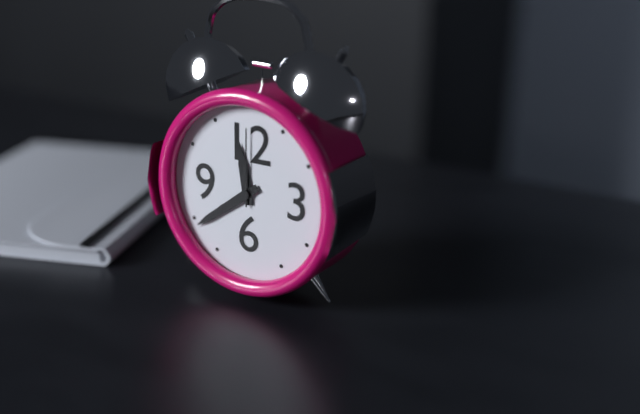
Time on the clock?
11:39:00
